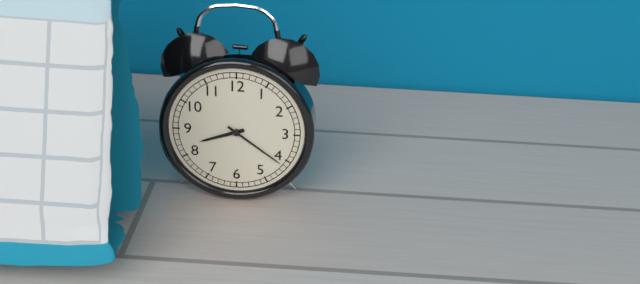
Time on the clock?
8:21
